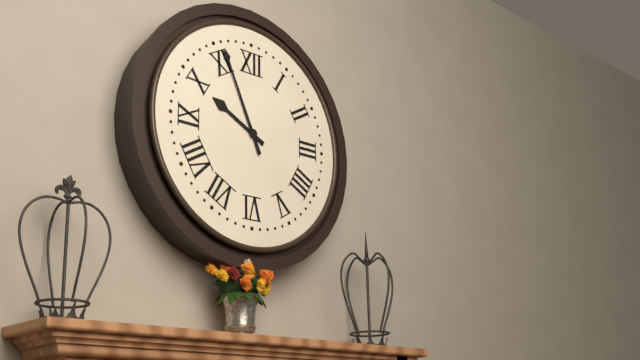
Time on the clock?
9:56
